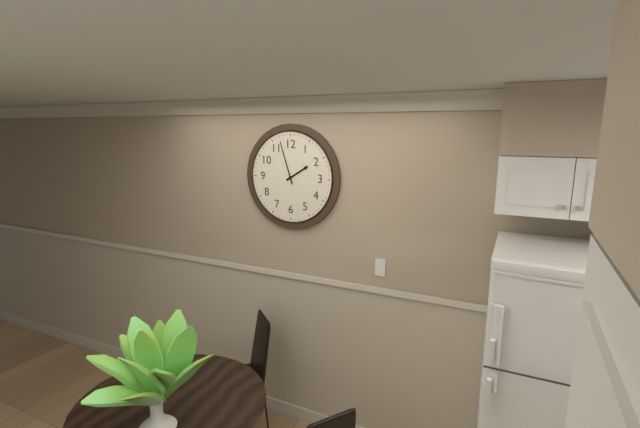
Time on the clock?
1:57
